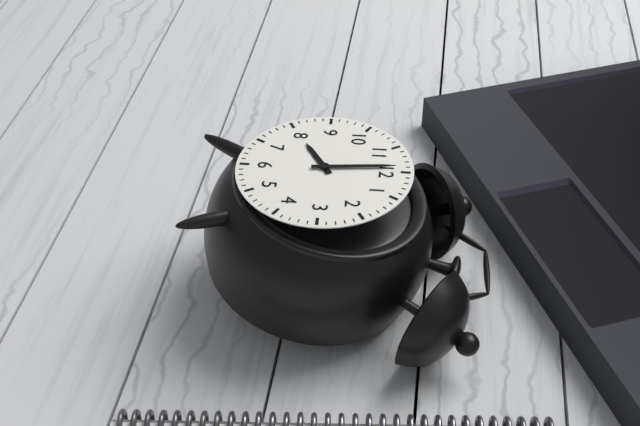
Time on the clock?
7:59
